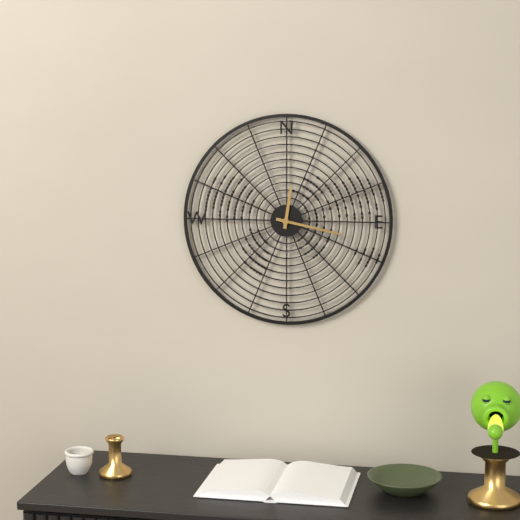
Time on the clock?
12:17
